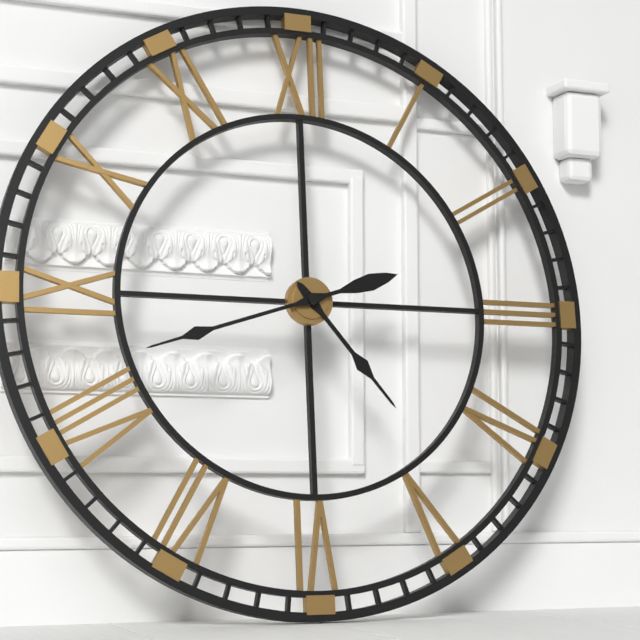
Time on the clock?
4:42
